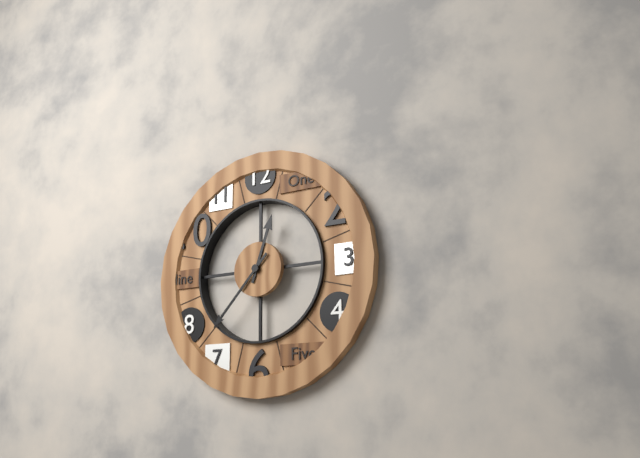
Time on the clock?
12:37
